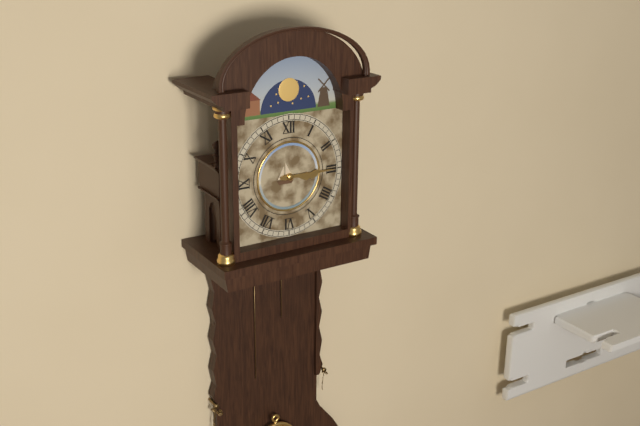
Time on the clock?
3:15
